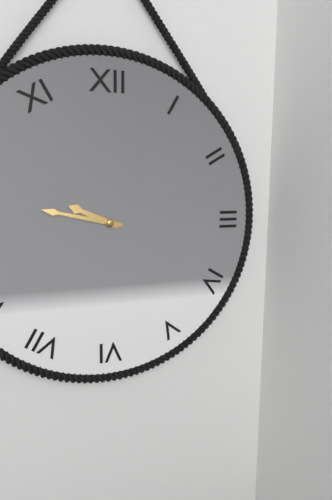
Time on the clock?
9:47
